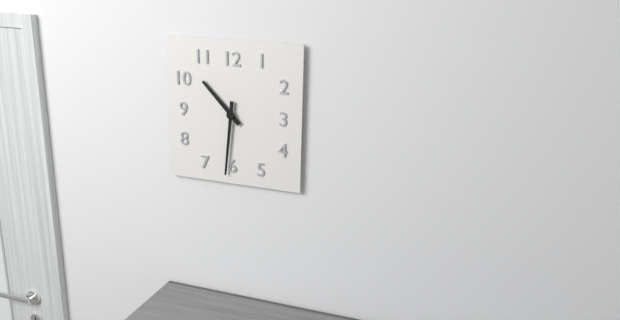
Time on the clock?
10:31
